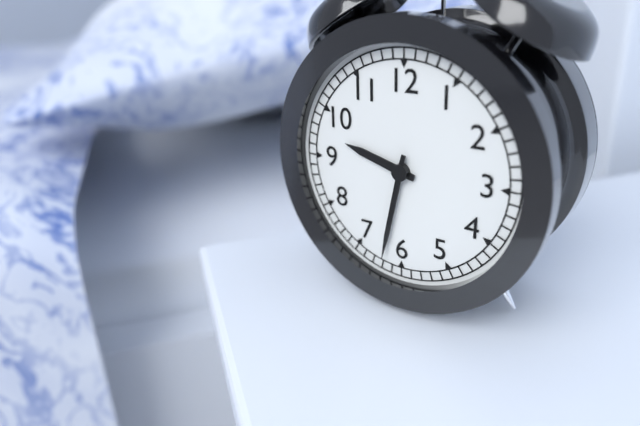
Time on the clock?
9:32
